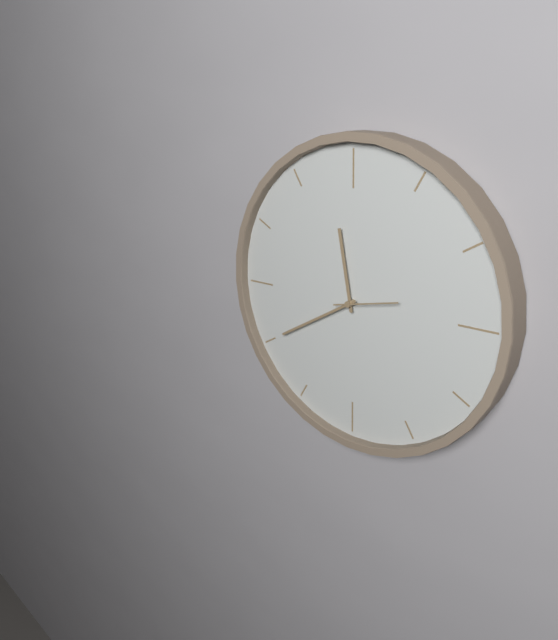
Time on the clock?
11:40:13
